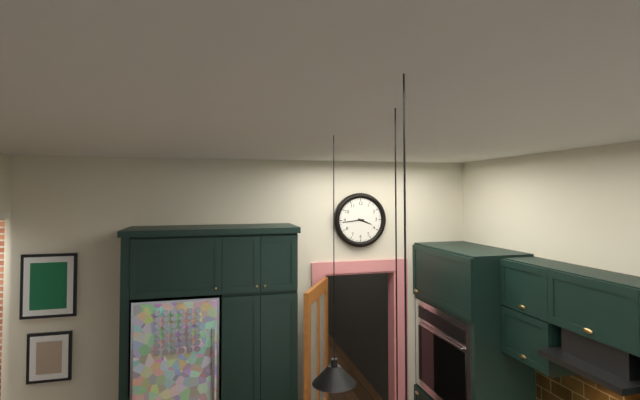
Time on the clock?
3:44
